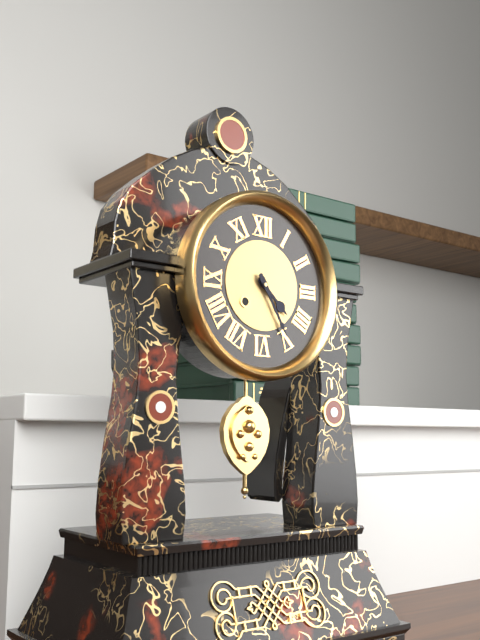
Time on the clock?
4:25
